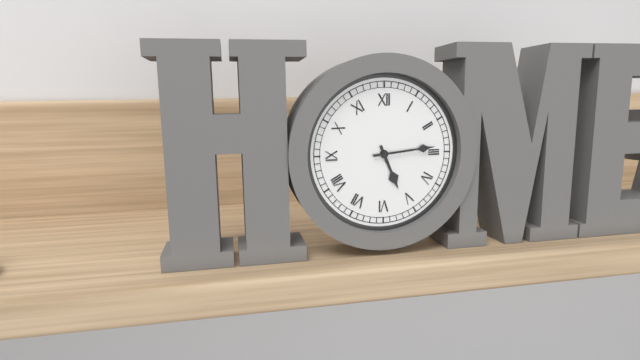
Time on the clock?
5:14
